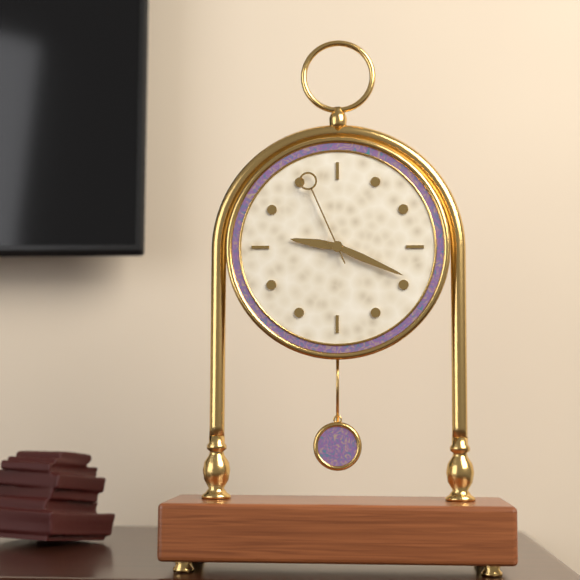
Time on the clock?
9:19:56
